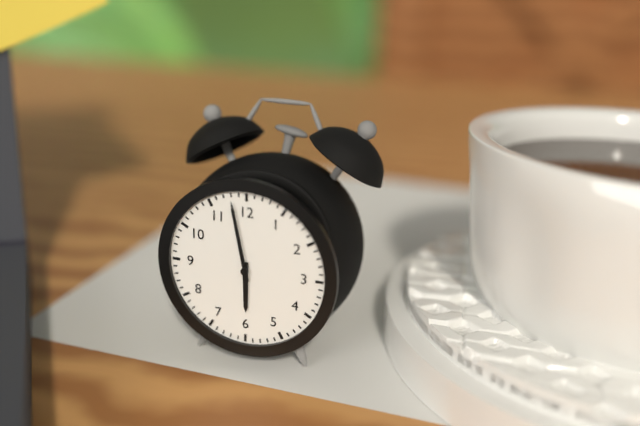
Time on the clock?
5:58
